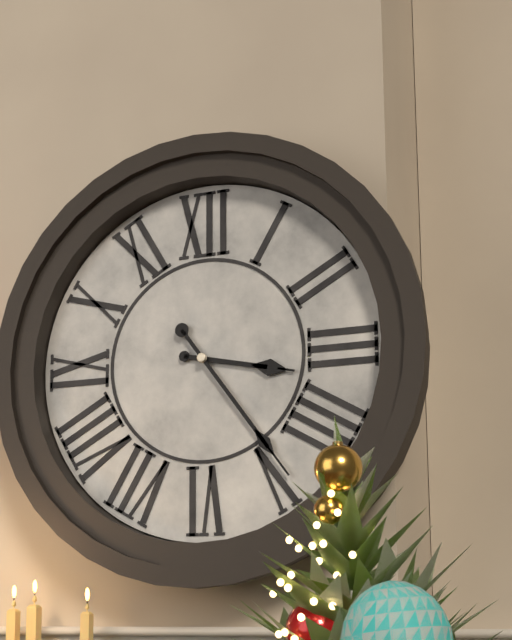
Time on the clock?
3:24
